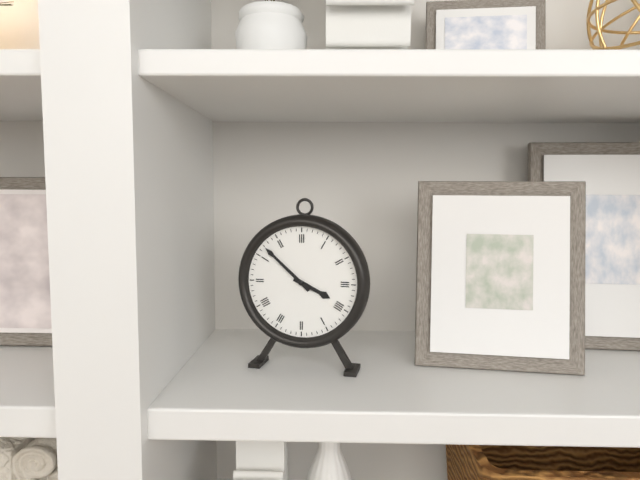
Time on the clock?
3:52
